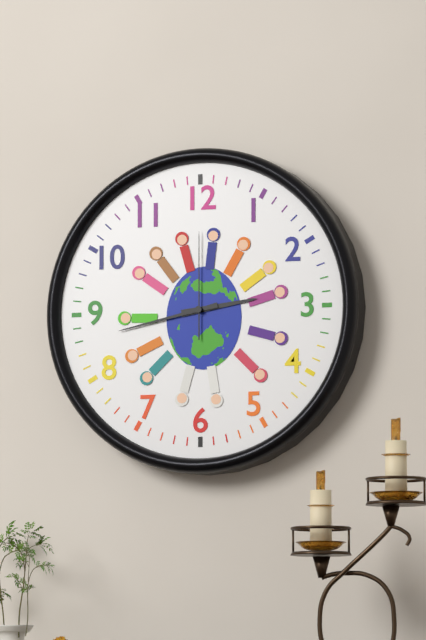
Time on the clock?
2:43:00
